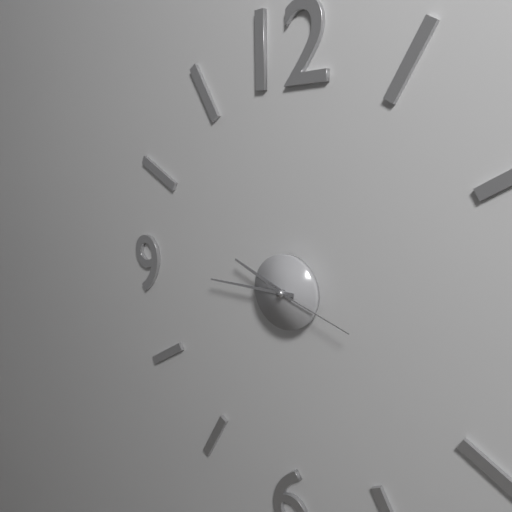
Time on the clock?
9:45:18
